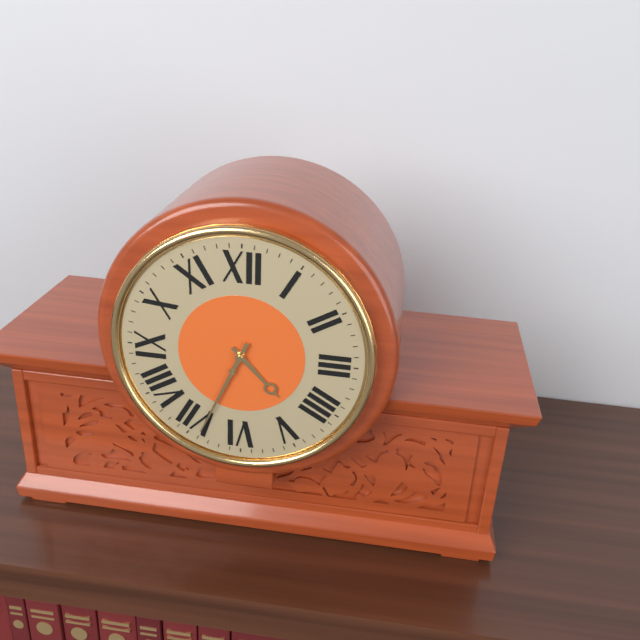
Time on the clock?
4:34
